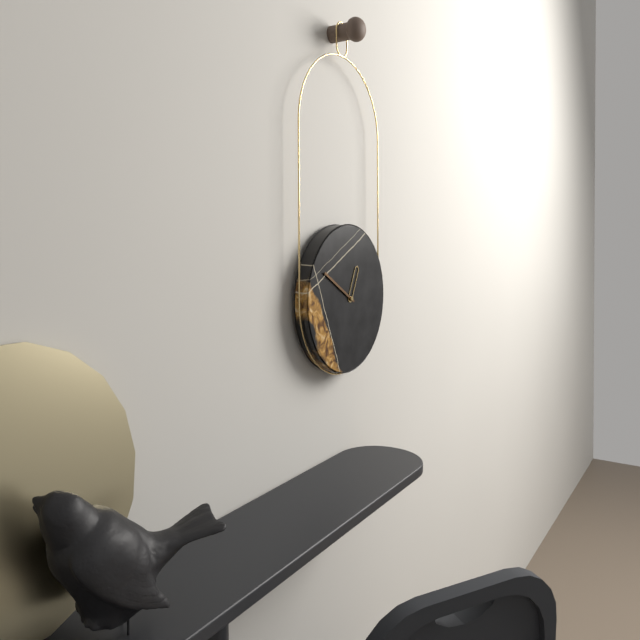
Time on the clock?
12:50
